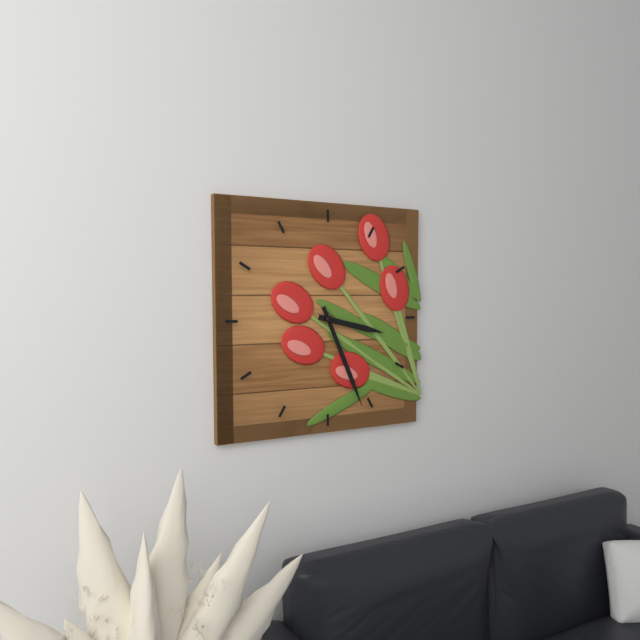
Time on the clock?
3:26
